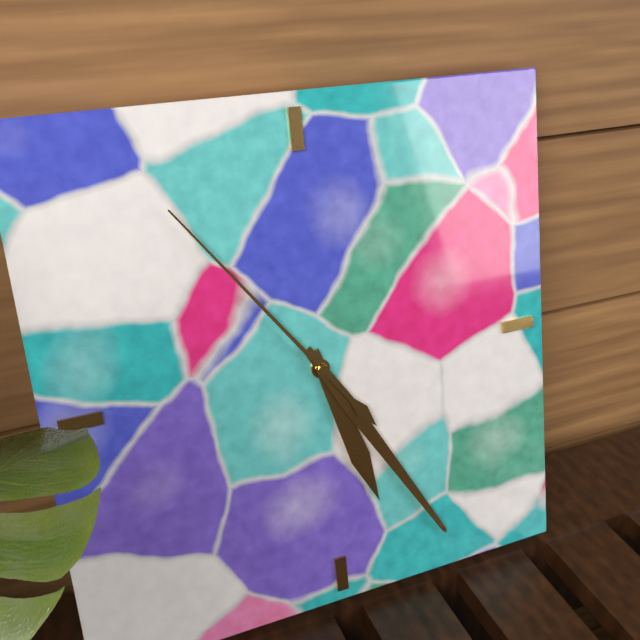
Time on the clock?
5:25:54
